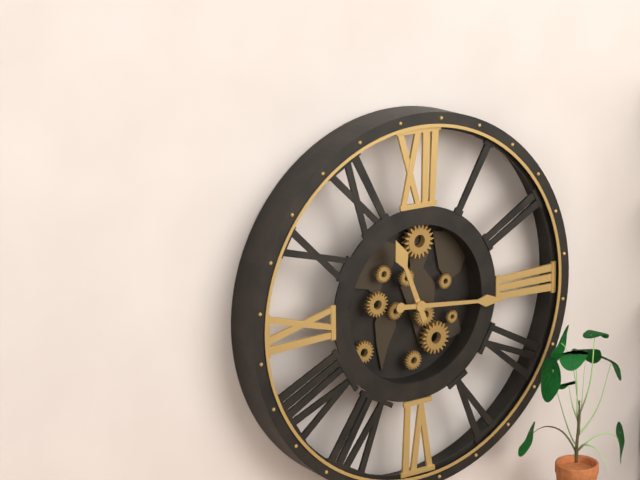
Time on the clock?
11:16
